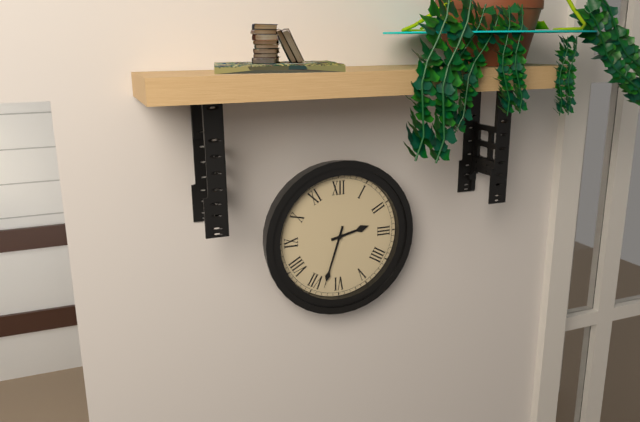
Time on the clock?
2:33
